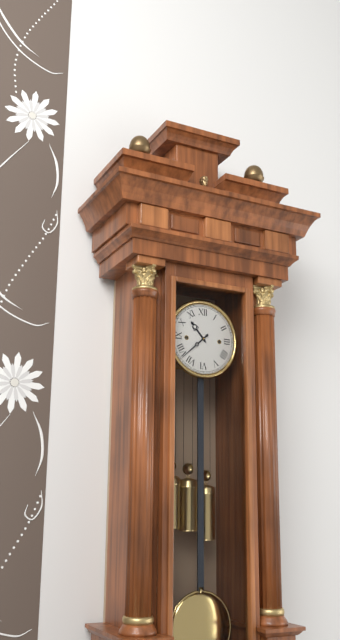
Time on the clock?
10:38
